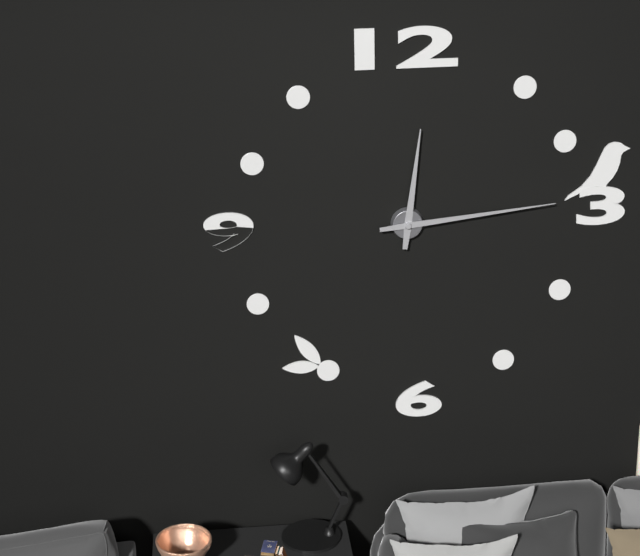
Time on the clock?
12:14
